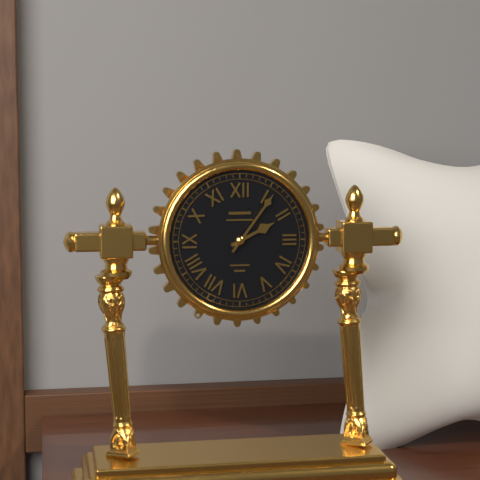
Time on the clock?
2:06
